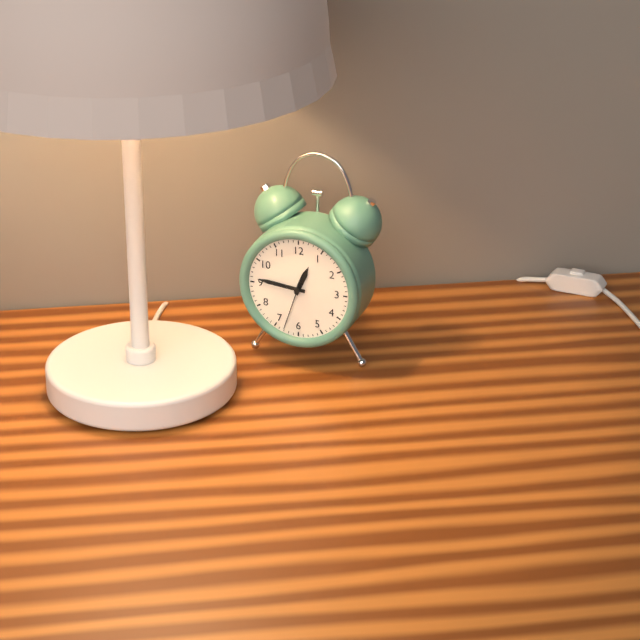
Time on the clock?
12:46:33
